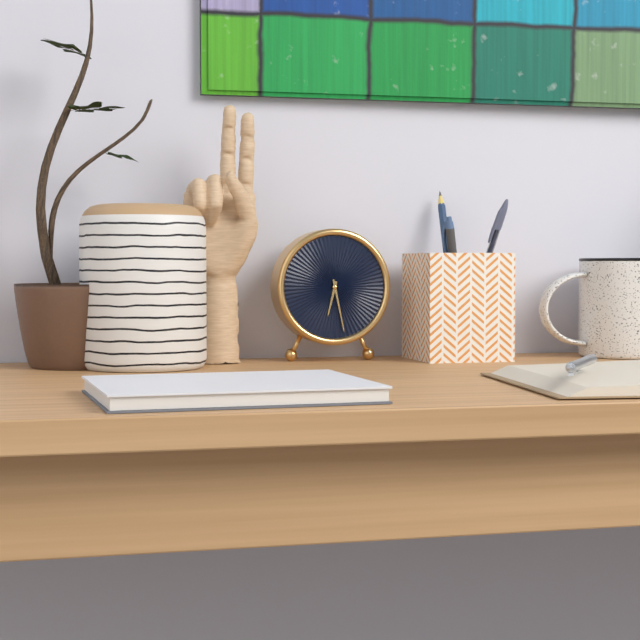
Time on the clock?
6:28
